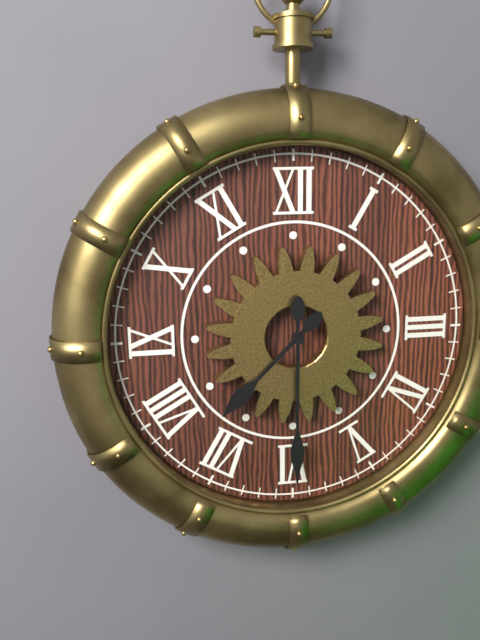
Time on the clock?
7:30
